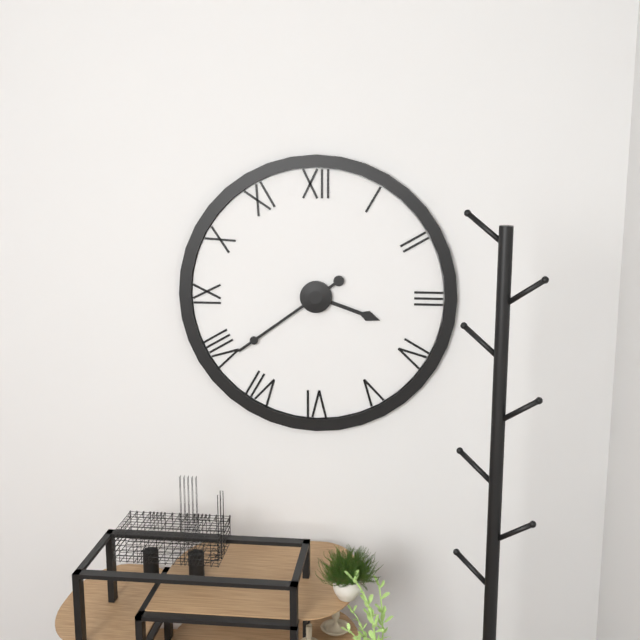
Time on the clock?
3:39
